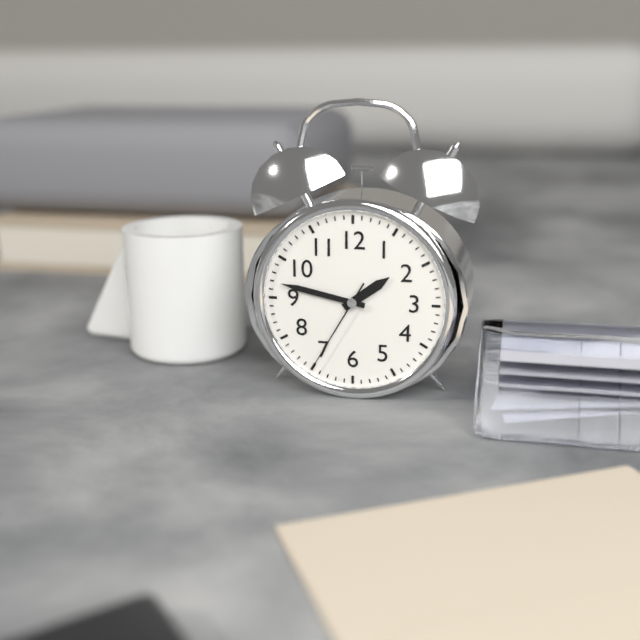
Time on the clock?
1:47:35
